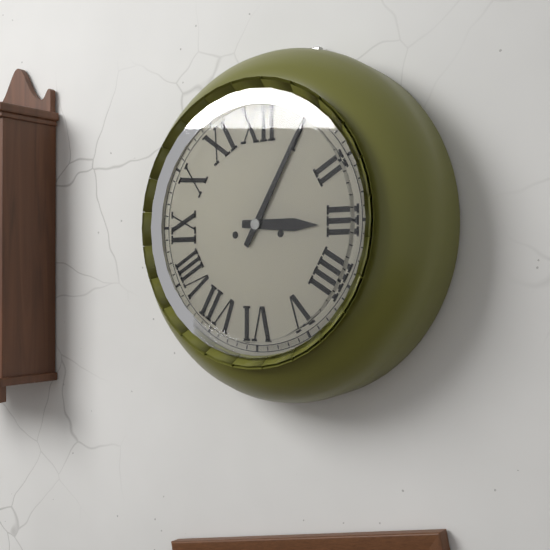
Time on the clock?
3:05
